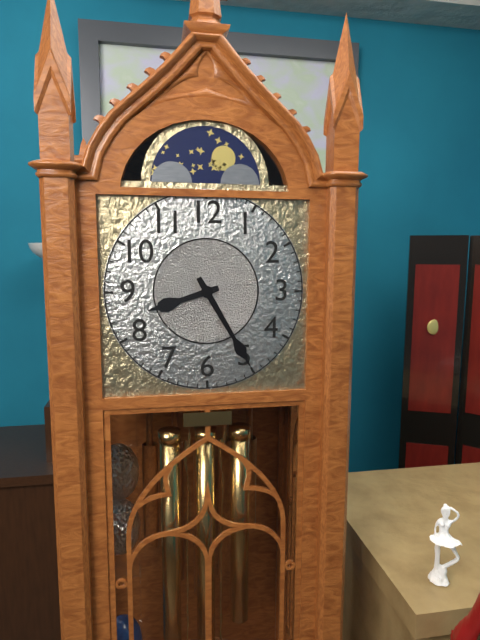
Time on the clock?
8:25
